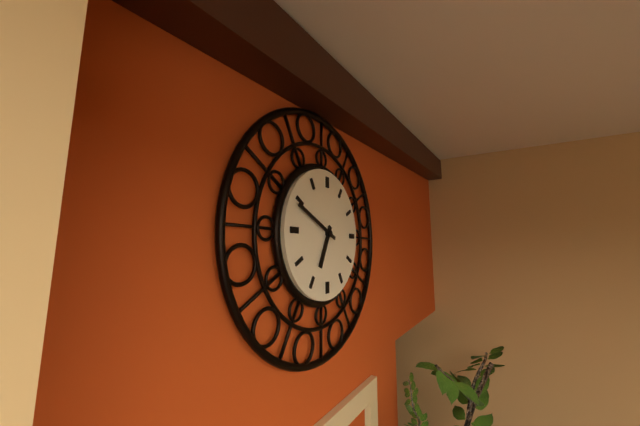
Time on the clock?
6:49
